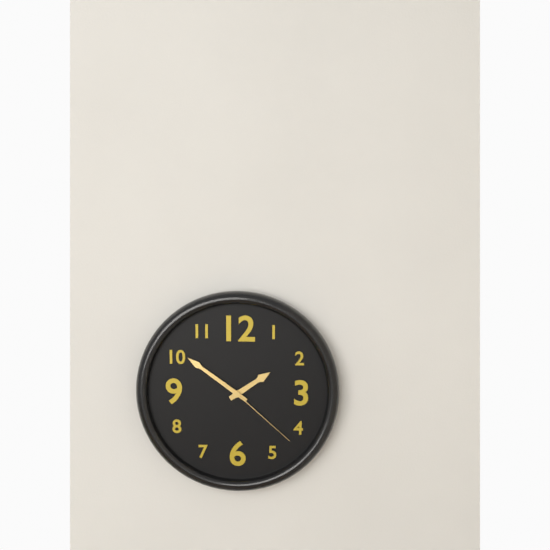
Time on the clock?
1:51:22
